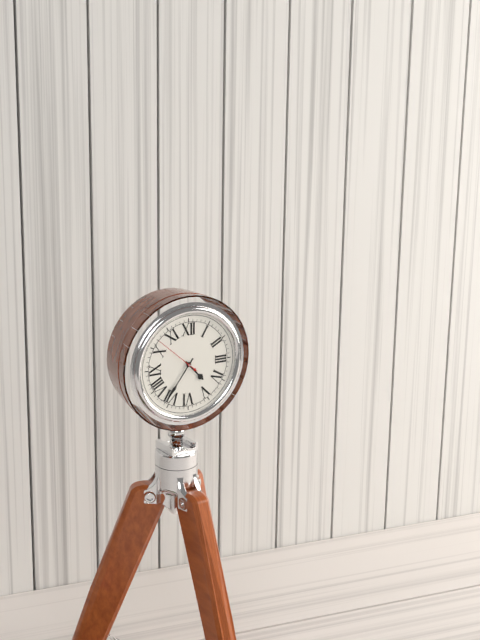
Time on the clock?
4:36
